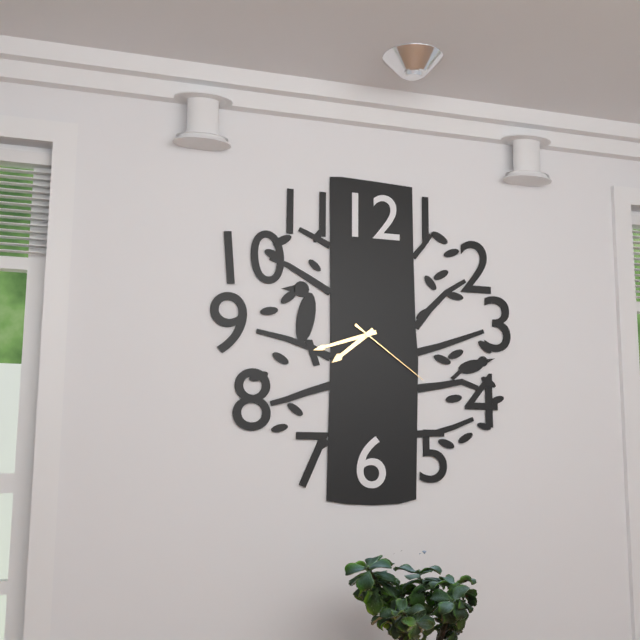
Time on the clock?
7:42:21
